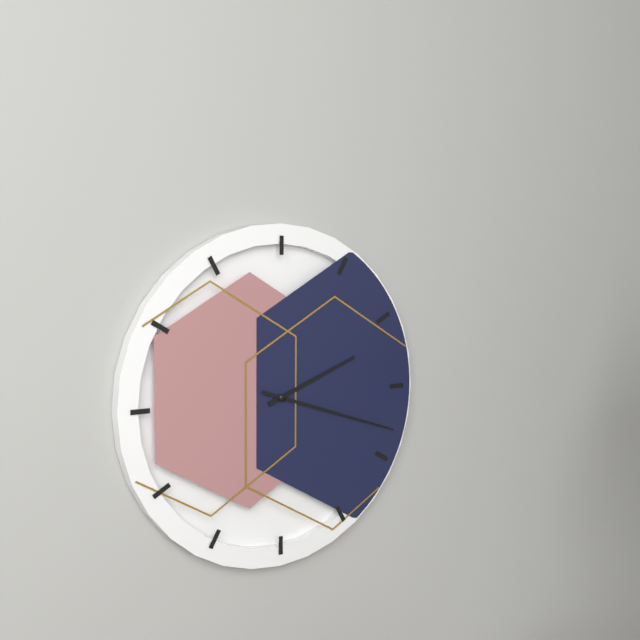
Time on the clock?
2:18
